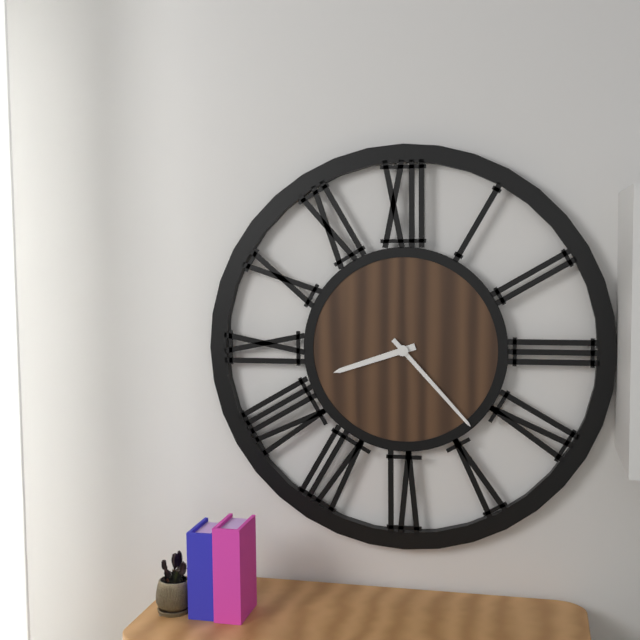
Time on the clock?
8:23
